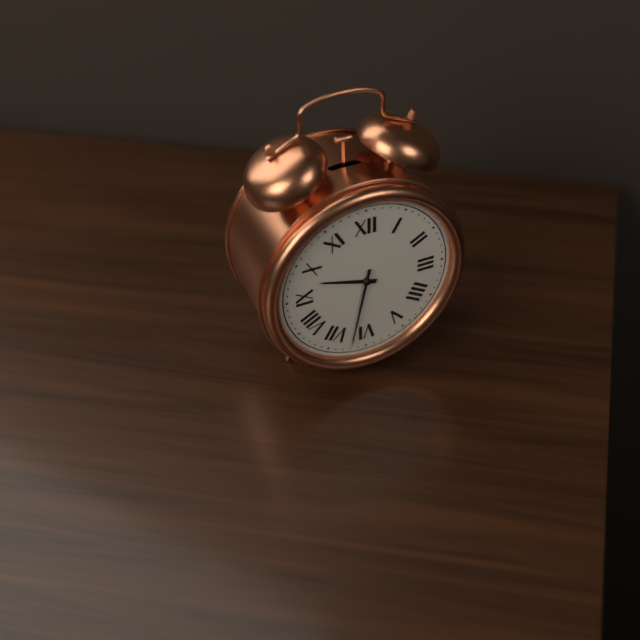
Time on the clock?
9:32
